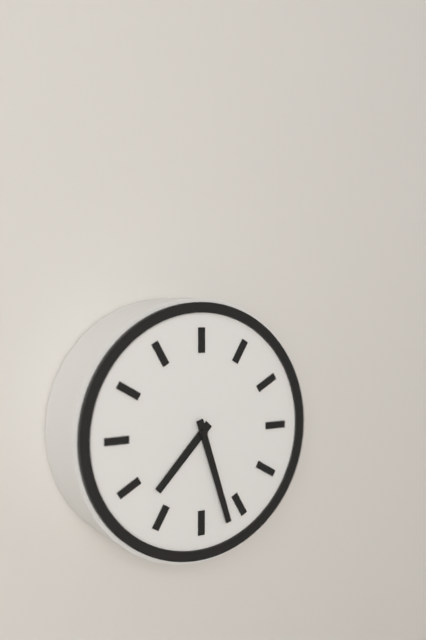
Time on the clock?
7:27
